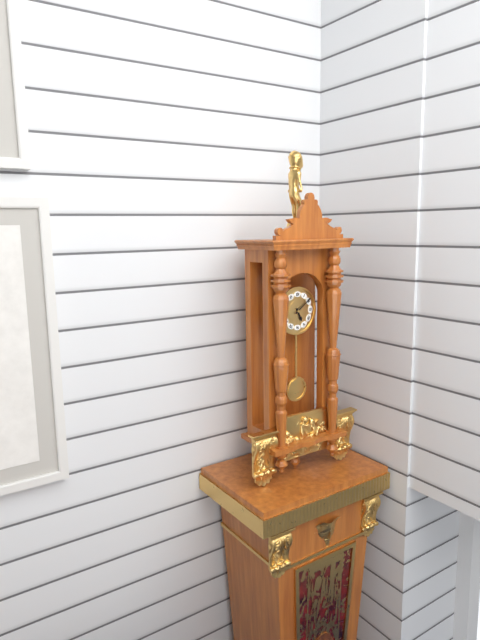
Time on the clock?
5:09
